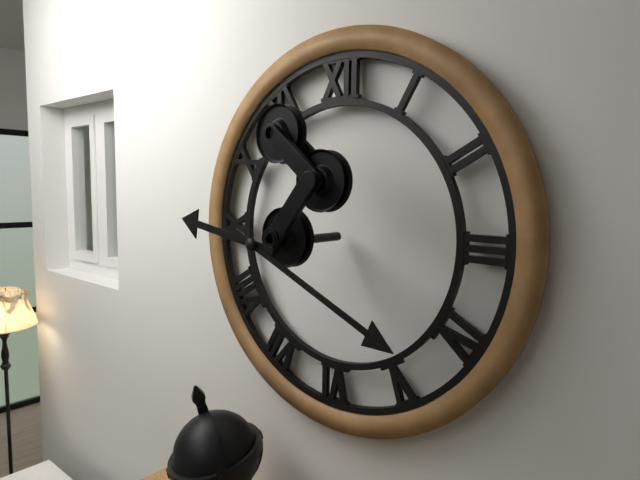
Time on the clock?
9:19
